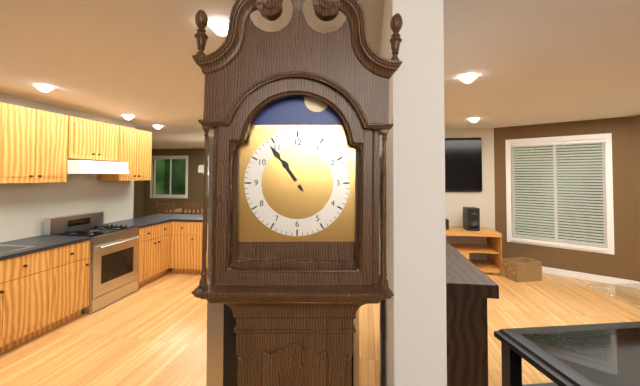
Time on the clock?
10:54
